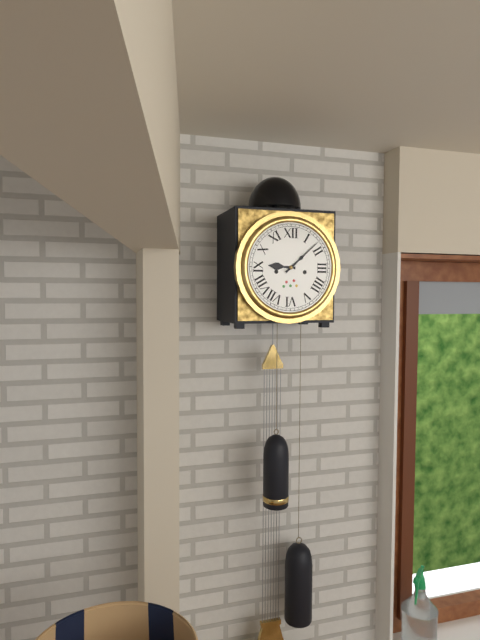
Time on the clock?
9:08
